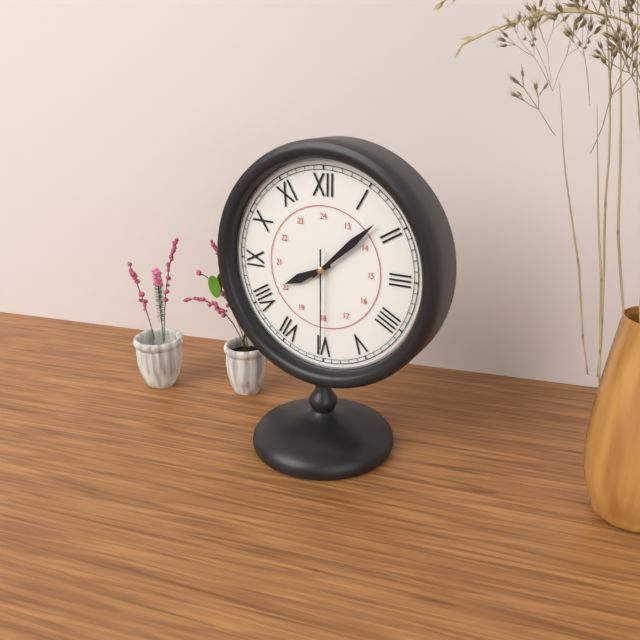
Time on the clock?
8:08:30
